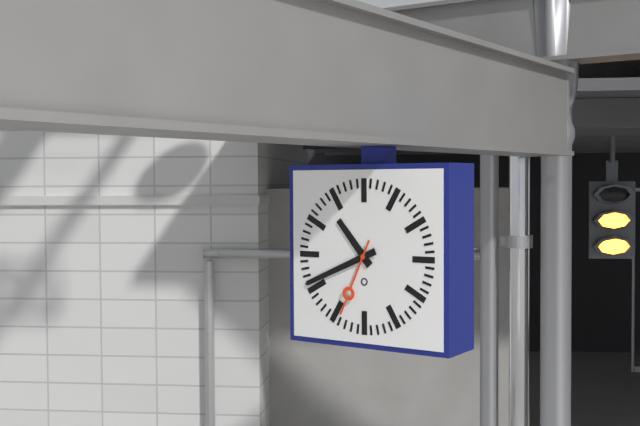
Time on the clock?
10:41:34
